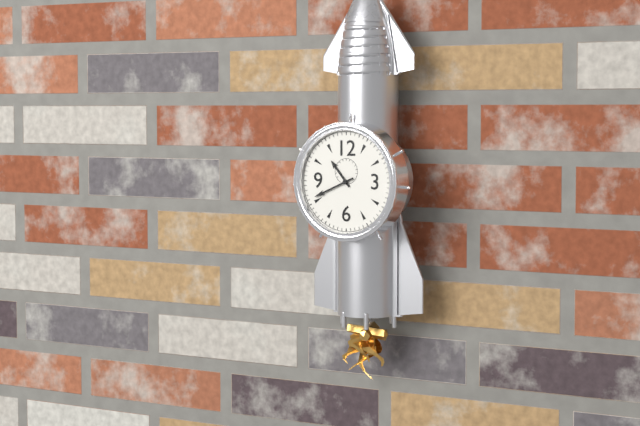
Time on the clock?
10:41
